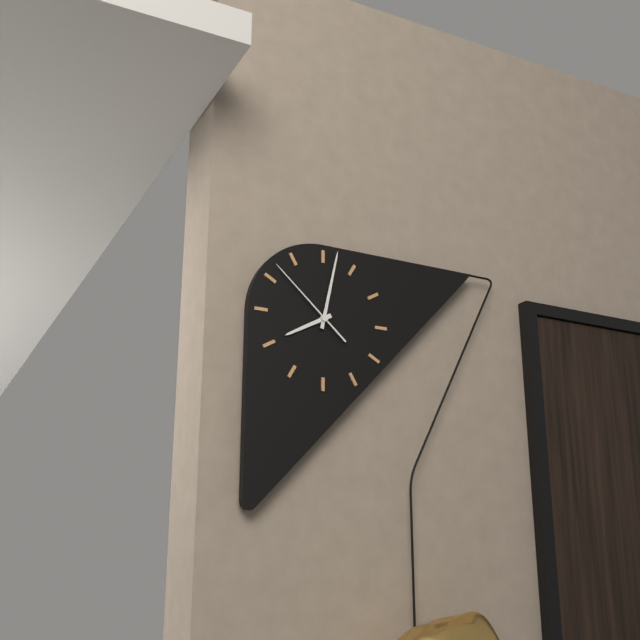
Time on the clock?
8:02:52
